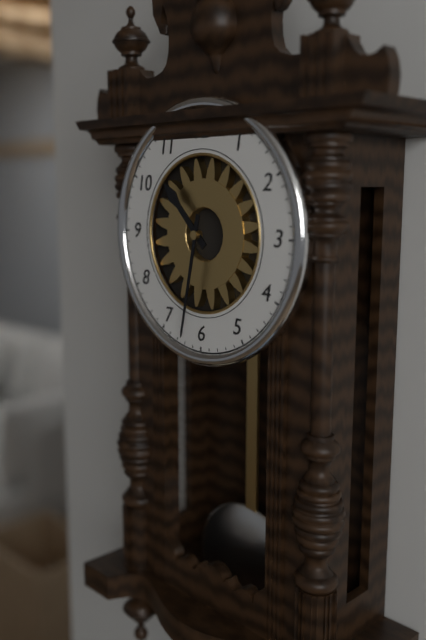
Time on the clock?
10:32
